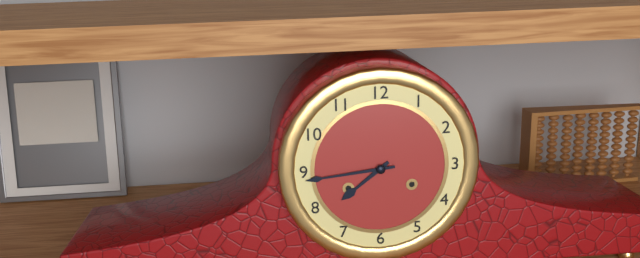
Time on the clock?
7:44
